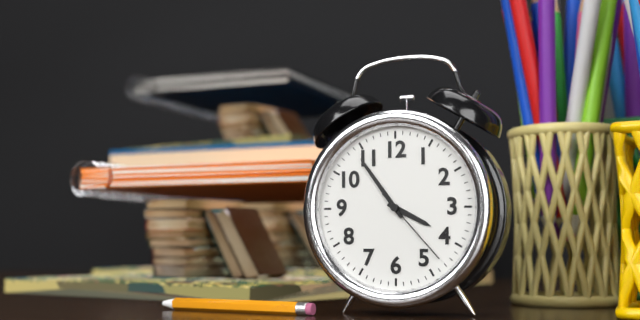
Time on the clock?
3:54:23
